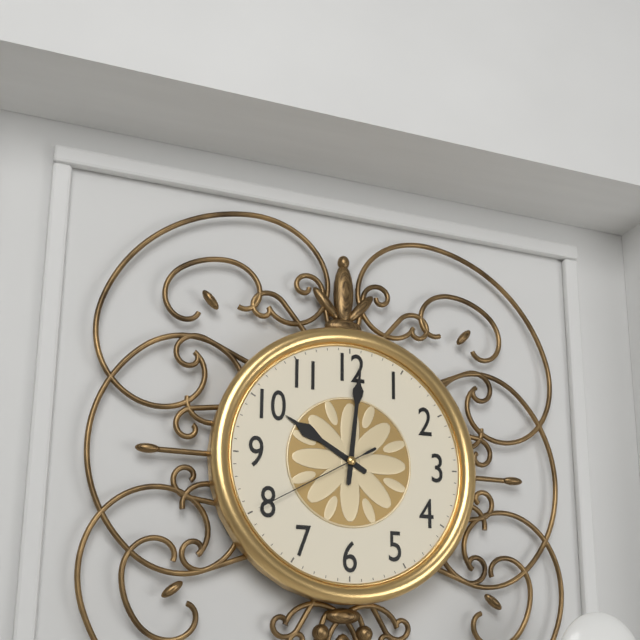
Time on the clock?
10:01:40
